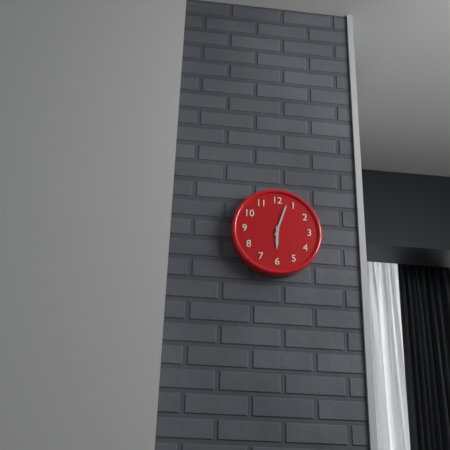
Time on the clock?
6:03
